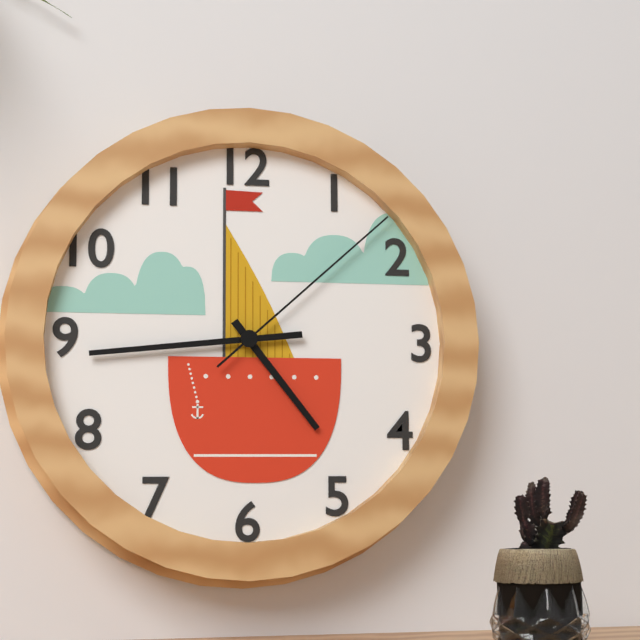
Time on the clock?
4:44:08
